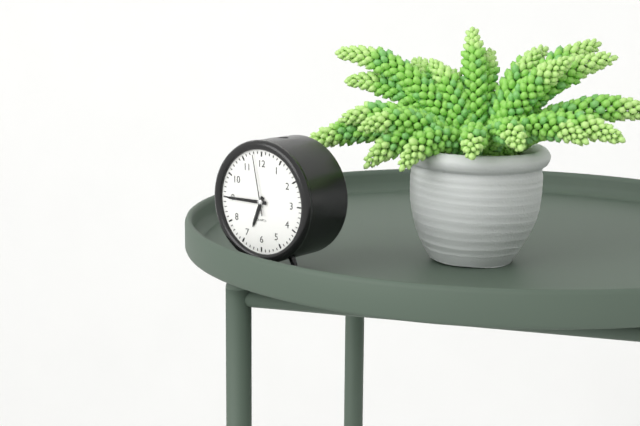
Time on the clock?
6:45:58
